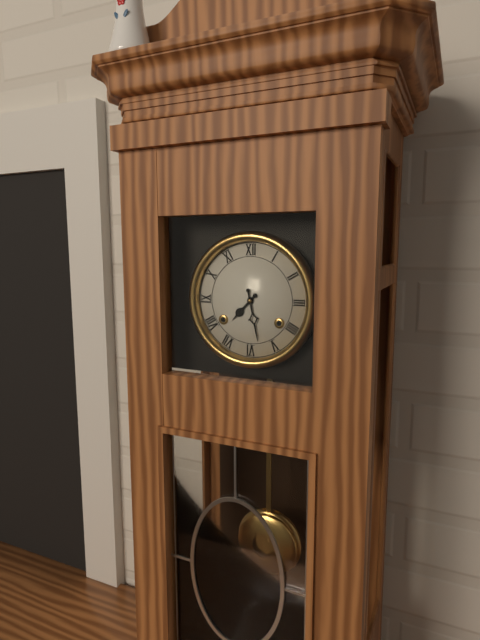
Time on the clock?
7:28
